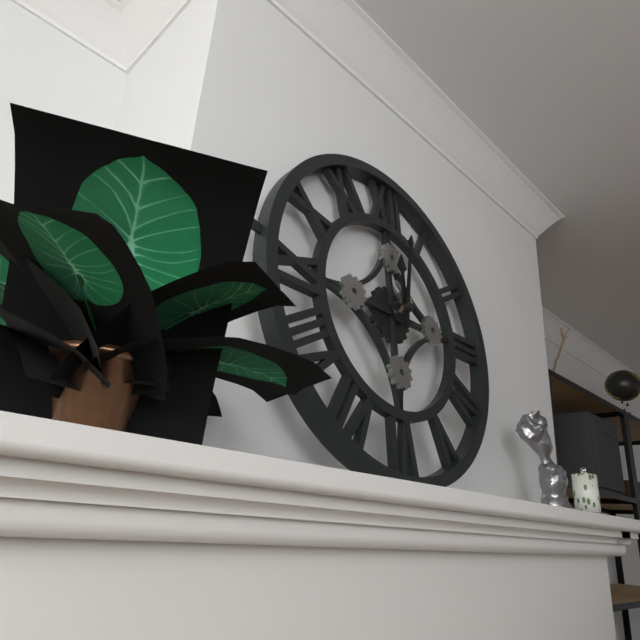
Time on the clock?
12:02
